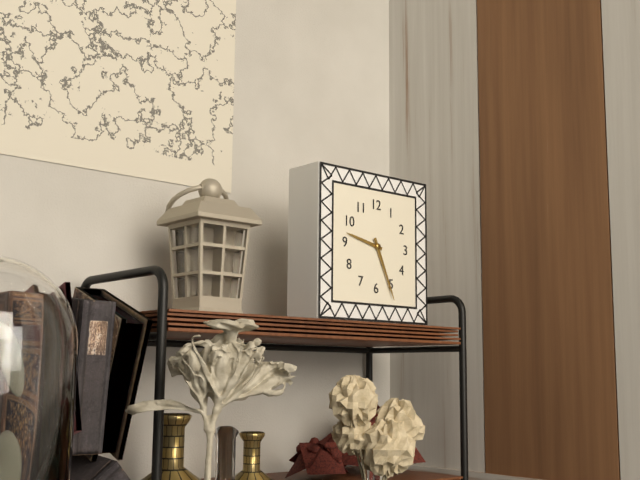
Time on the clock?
9:26
